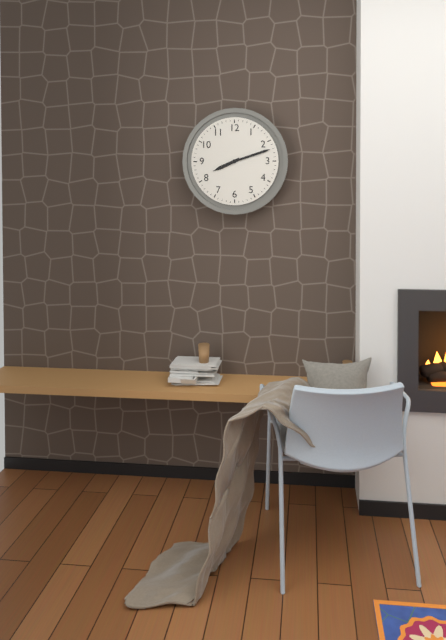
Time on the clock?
8:12
